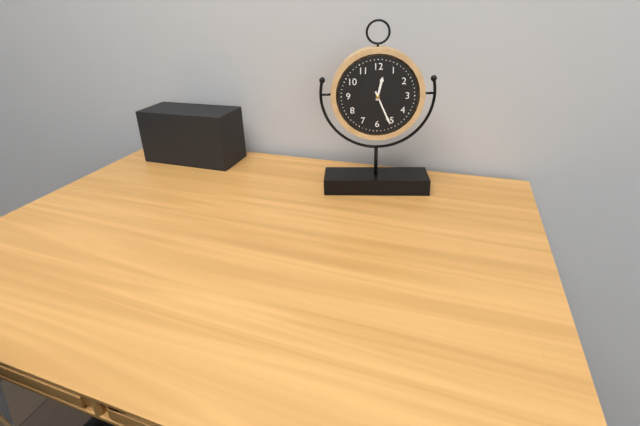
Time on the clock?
12:26
